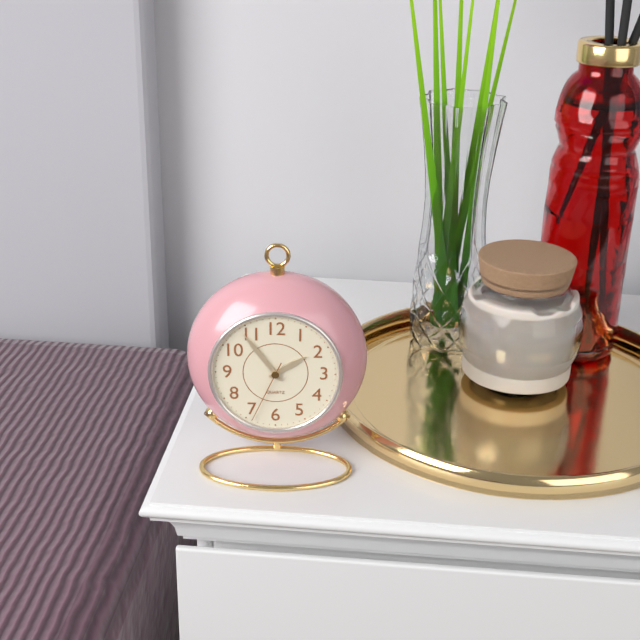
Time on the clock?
1:54:34
